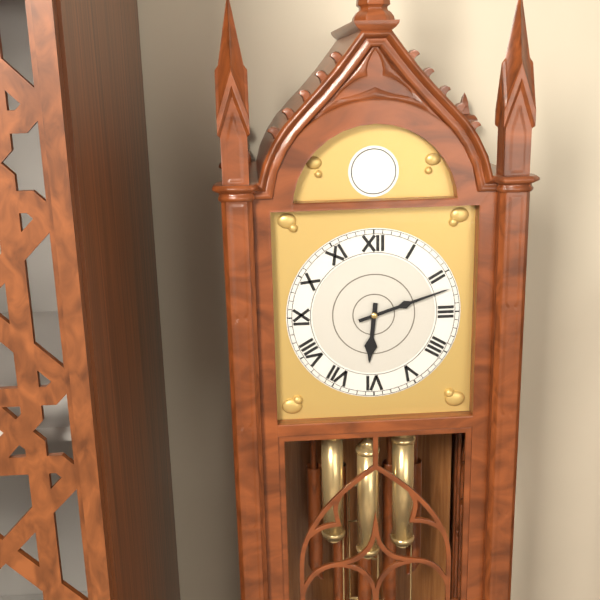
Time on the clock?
6:12
